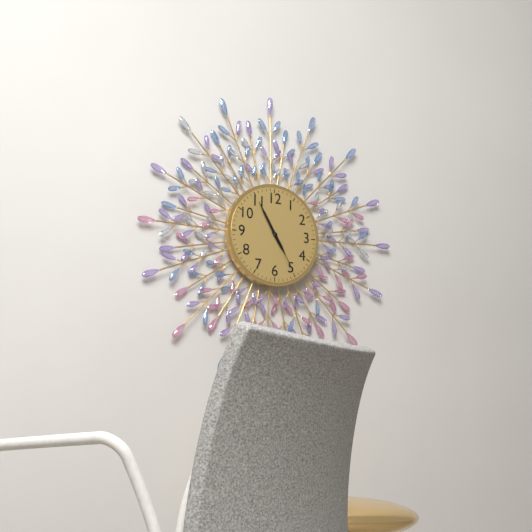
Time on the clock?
4:55:25
